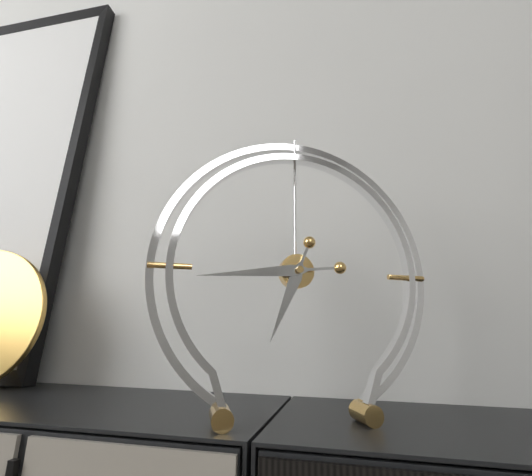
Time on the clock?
6:44
